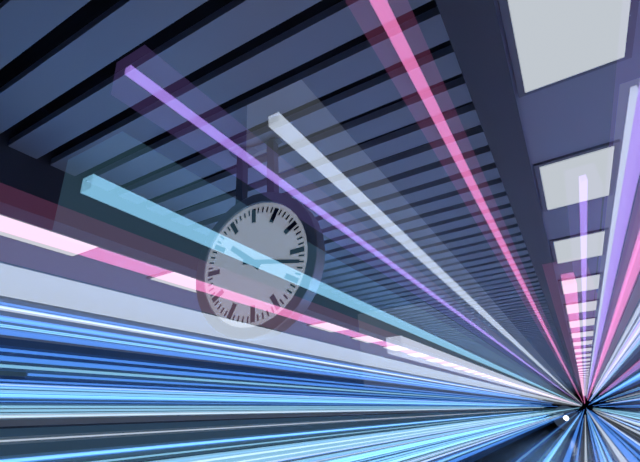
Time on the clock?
10:17
